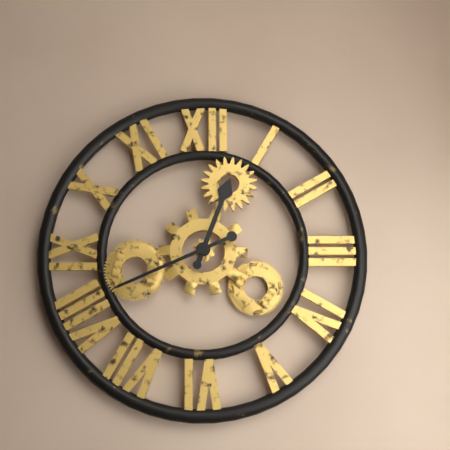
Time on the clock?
12:41
